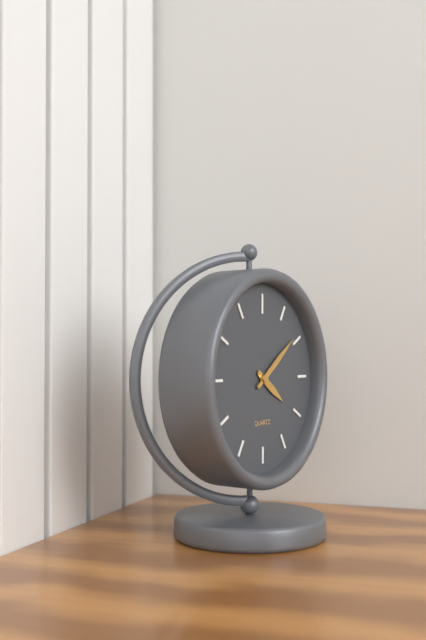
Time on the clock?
4:09
